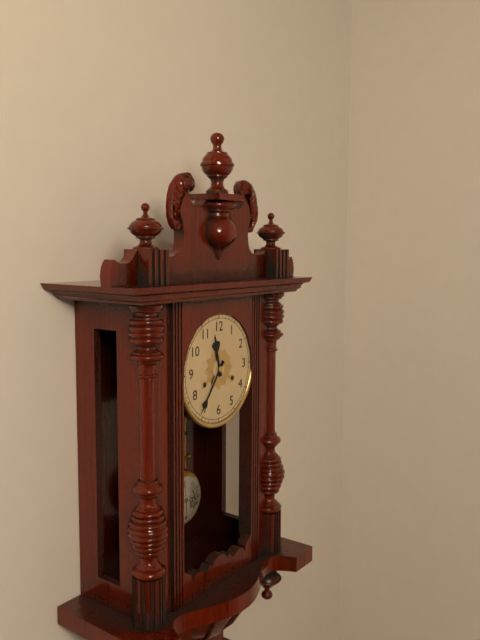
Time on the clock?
11:36
